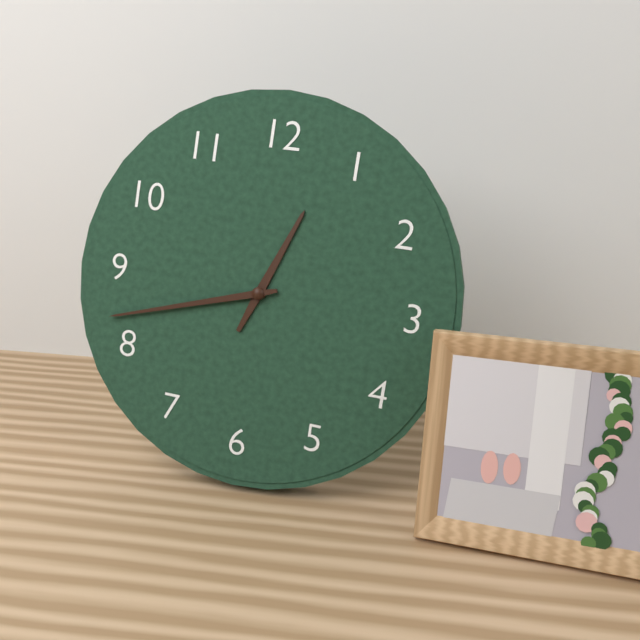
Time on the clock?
12:42
